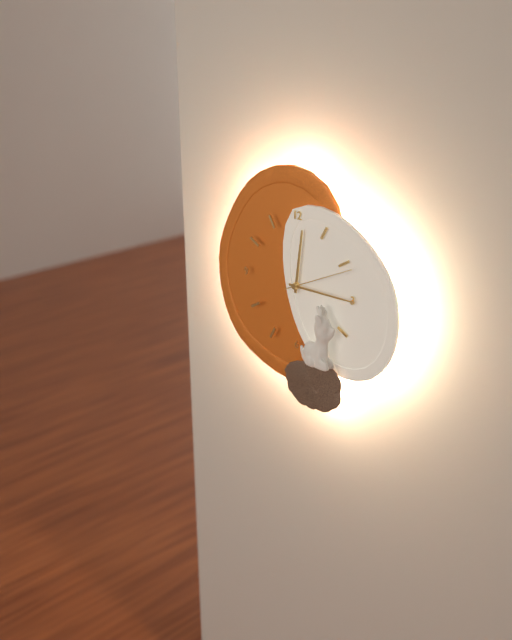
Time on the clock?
12:15:11
